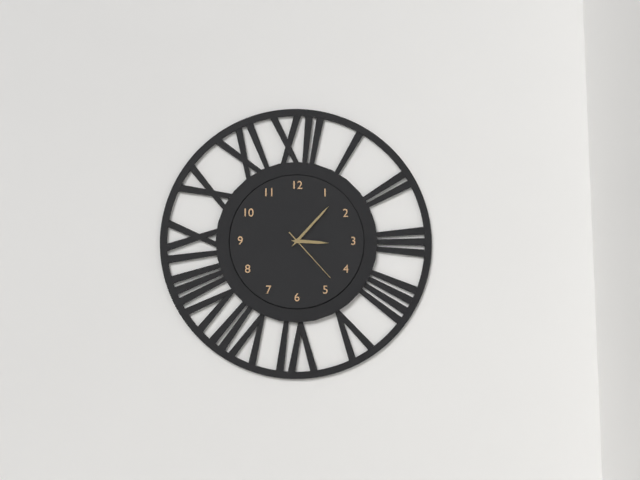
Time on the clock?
3:07:23
